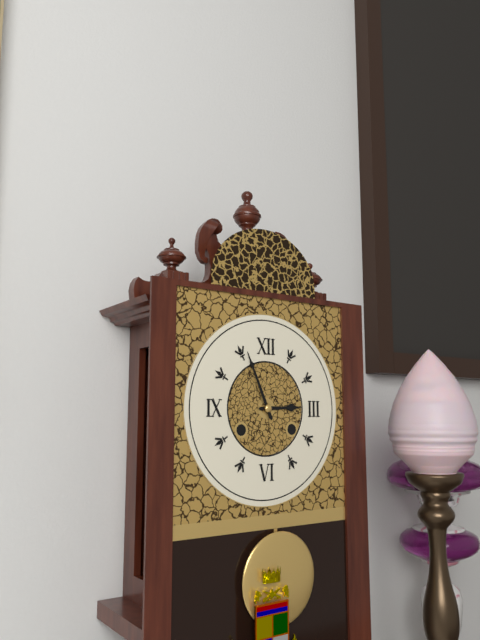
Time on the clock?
2:56
